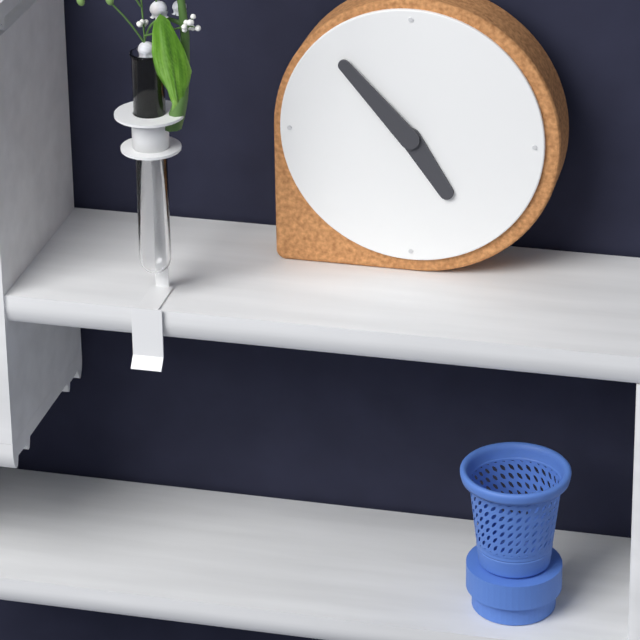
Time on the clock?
4:53
